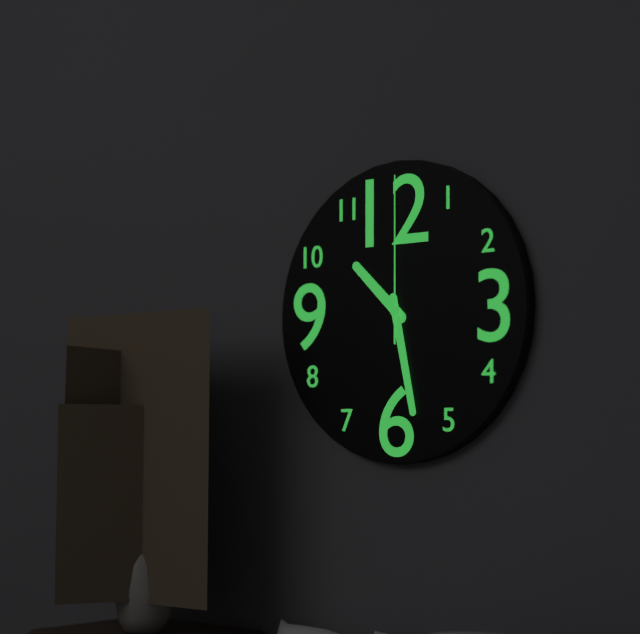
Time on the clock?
10:28:00
